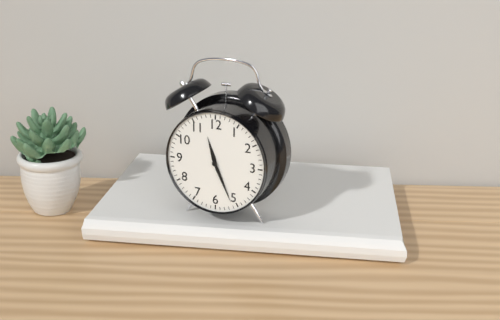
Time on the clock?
11:26
